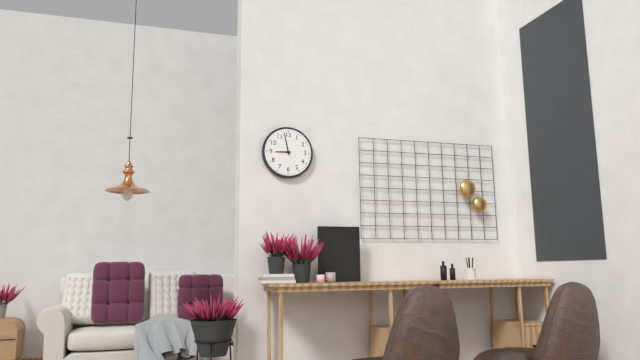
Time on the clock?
8:58
